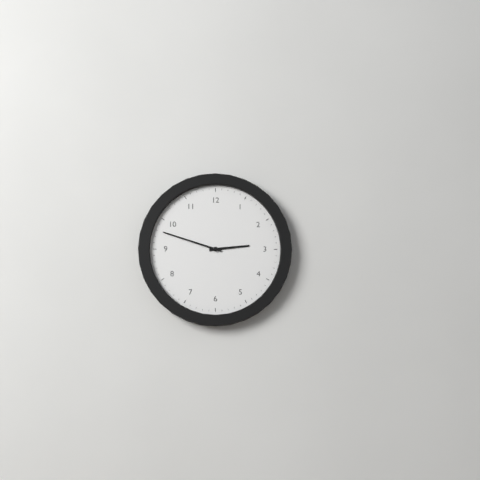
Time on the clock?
2:48
